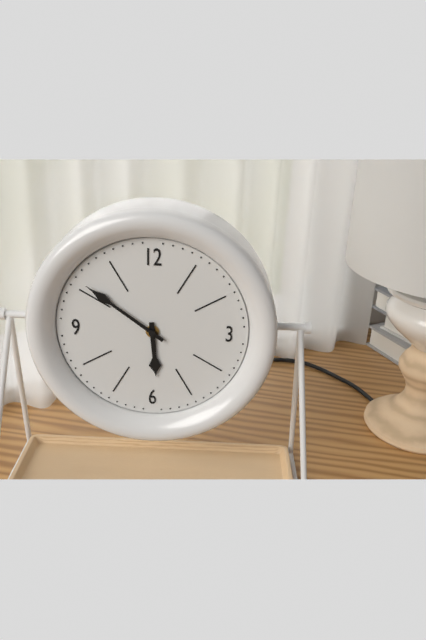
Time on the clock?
5:51
